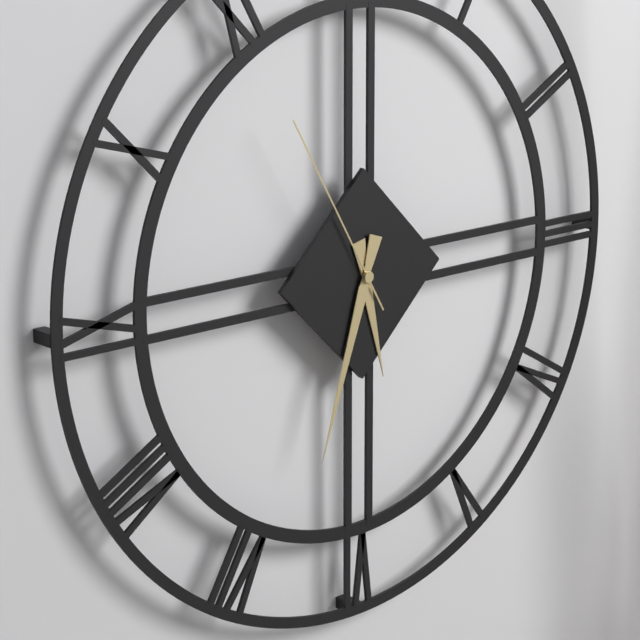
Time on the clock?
5:33:55
